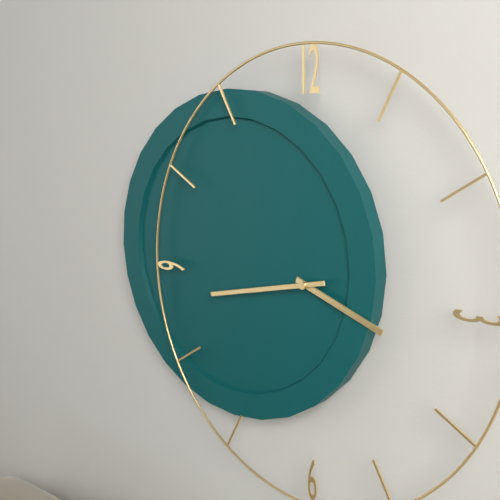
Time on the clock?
3:43
